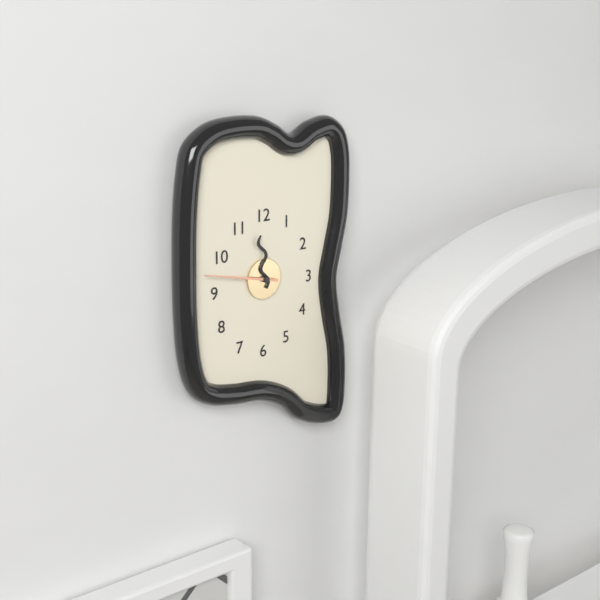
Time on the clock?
11:47
